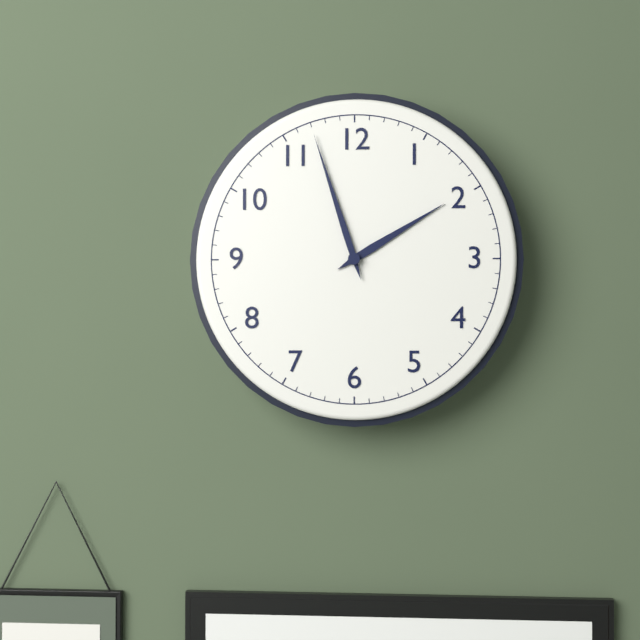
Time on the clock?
1:57
